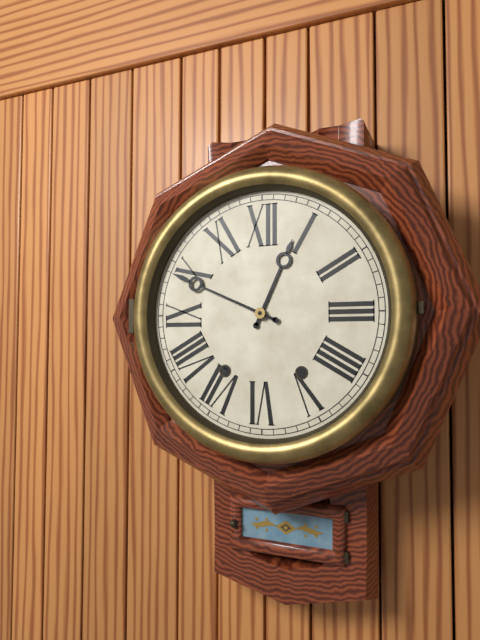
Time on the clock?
12:49
